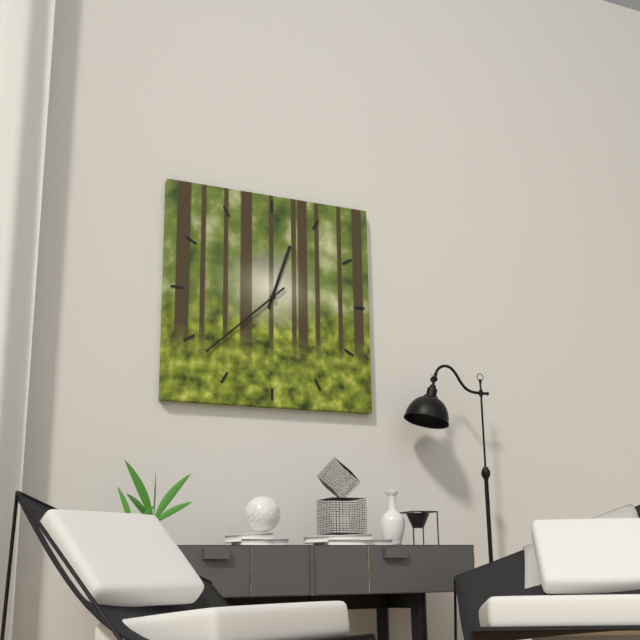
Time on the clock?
12:38
